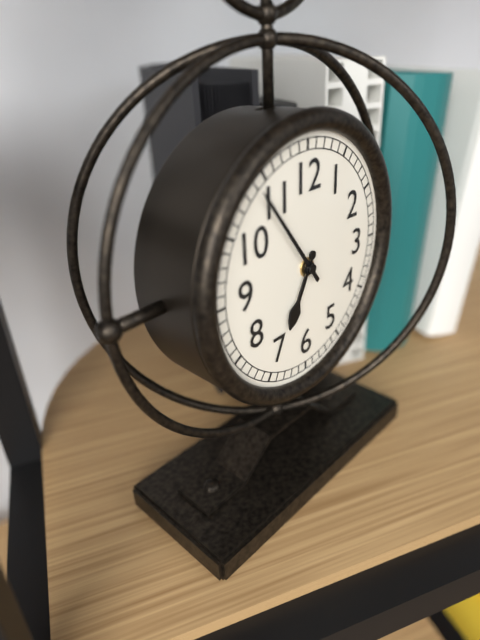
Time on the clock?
6:54
